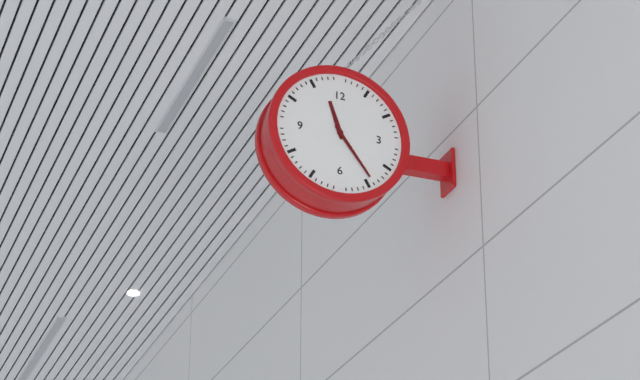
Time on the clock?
11:24
